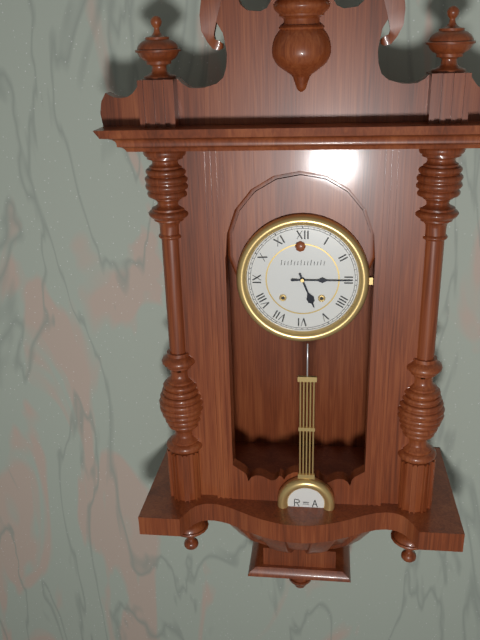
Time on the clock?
5:15
